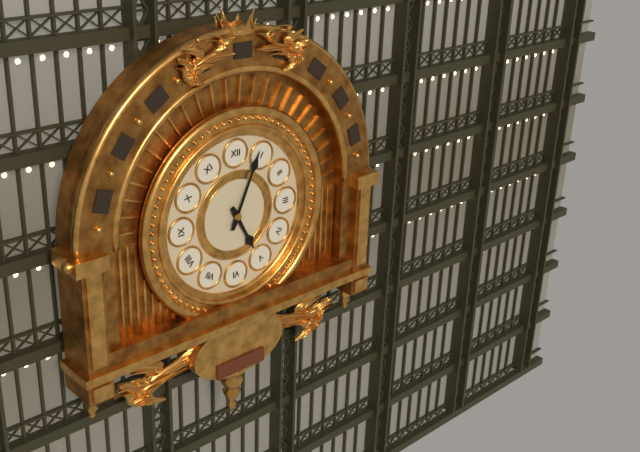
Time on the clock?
5:04
